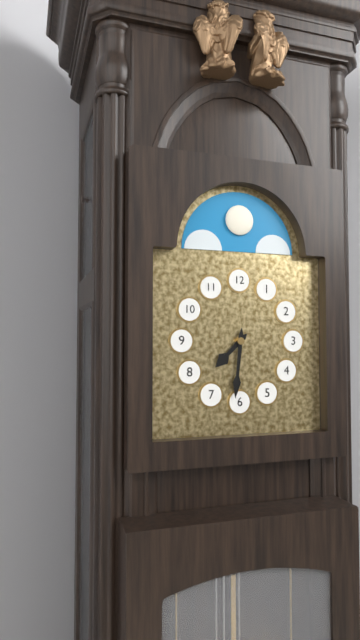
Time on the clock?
7:31
